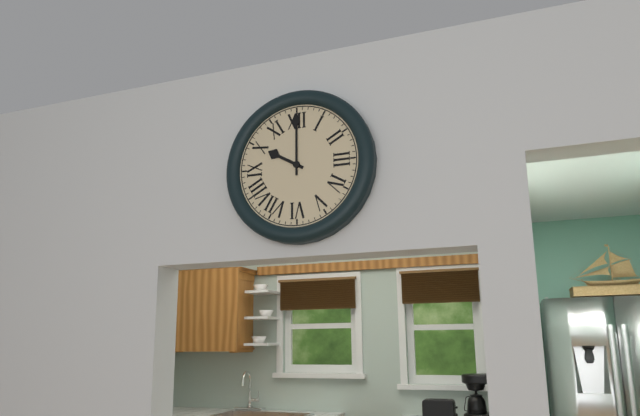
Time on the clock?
10:00
